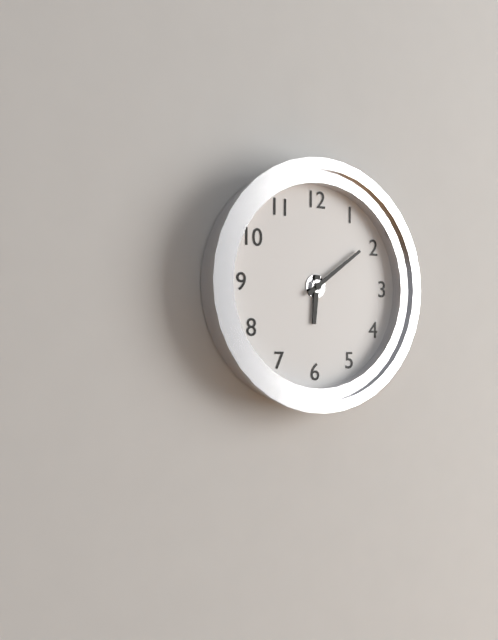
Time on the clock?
6:09
